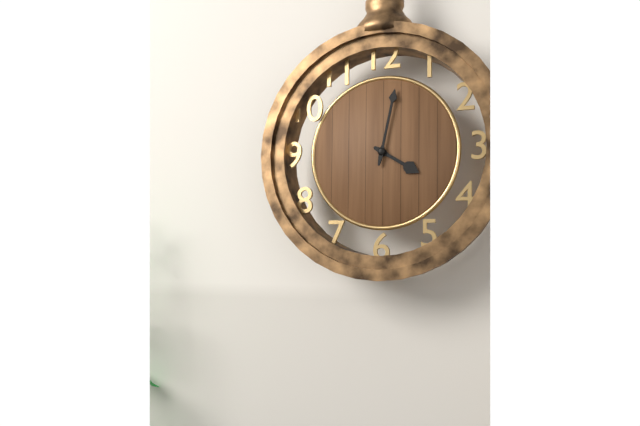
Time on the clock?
4:02
